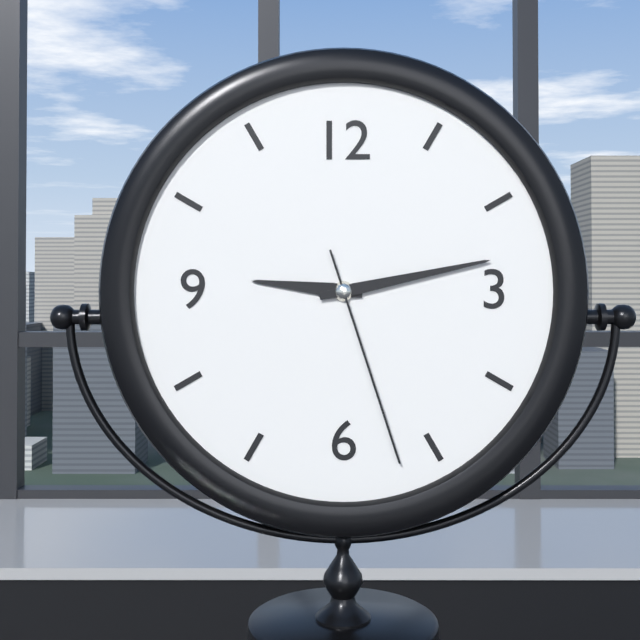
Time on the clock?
9:13:27
